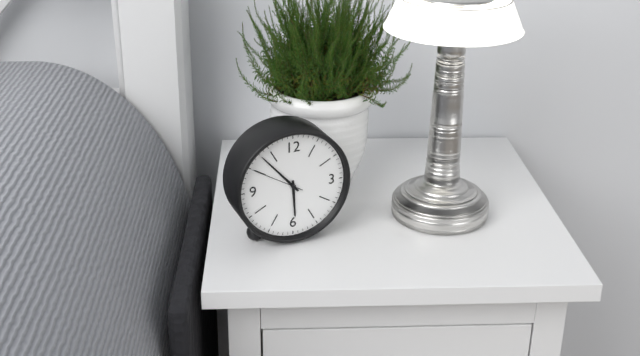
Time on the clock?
5:53:50
